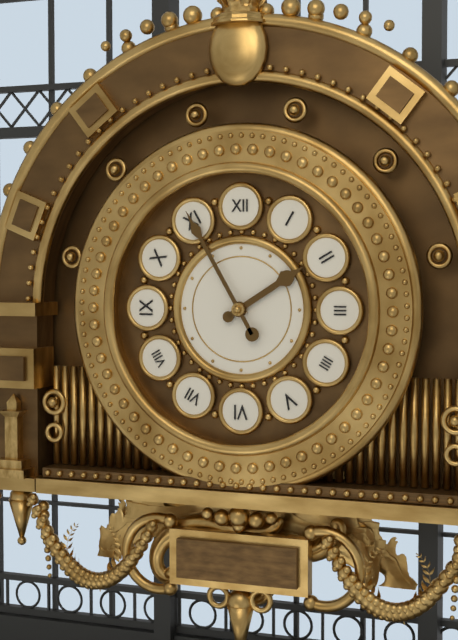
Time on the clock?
1:55
